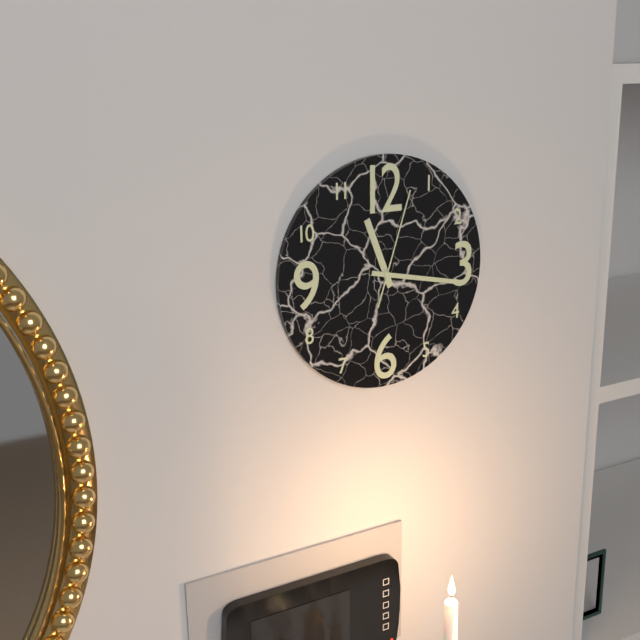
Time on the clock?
11:17:03
